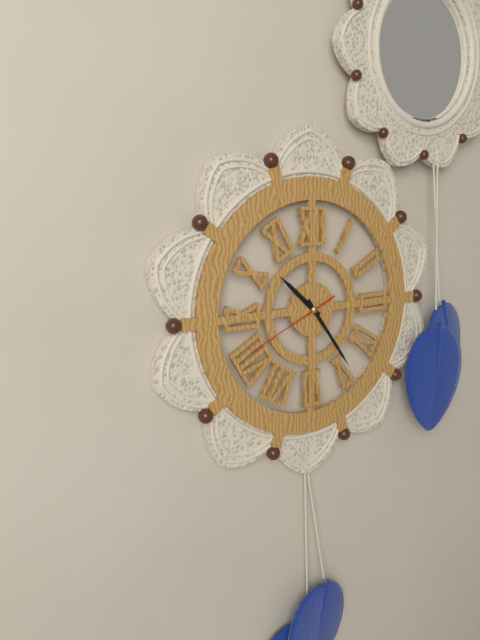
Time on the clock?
10:24:41
